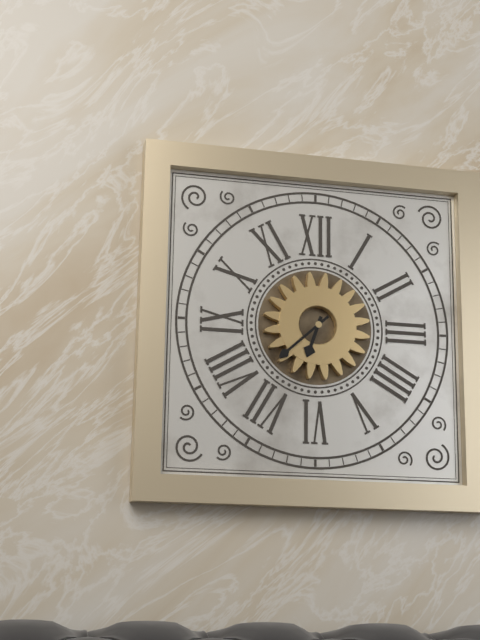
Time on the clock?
6:38
